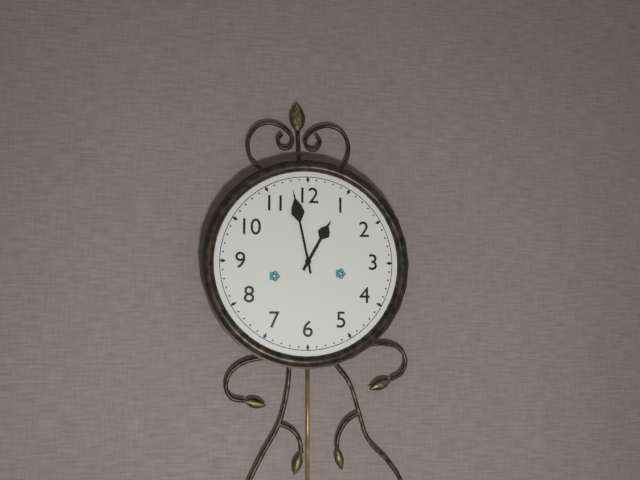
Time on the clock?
12:58
